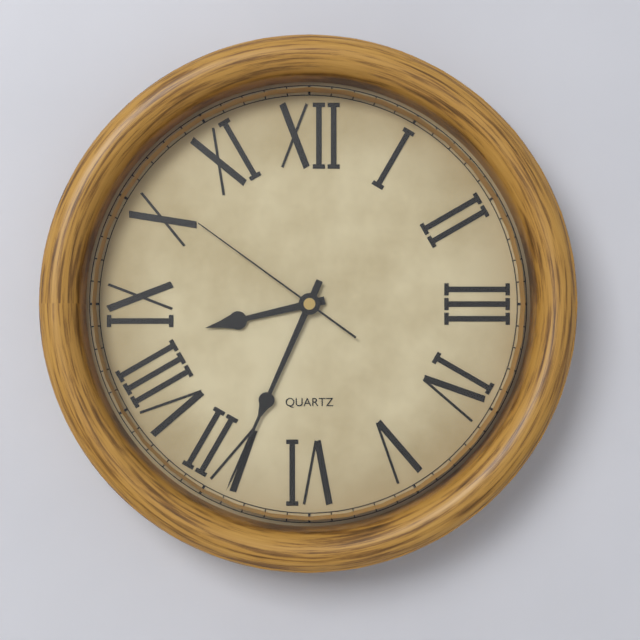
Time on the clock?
8:34:51
